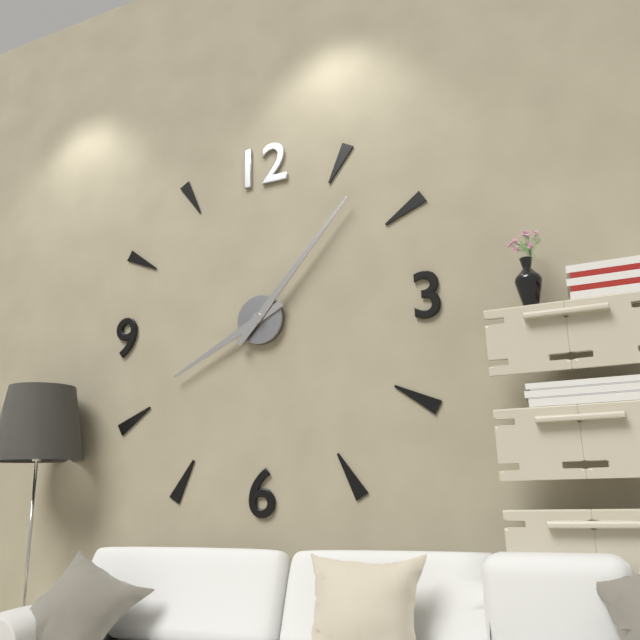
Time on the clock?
8:07
